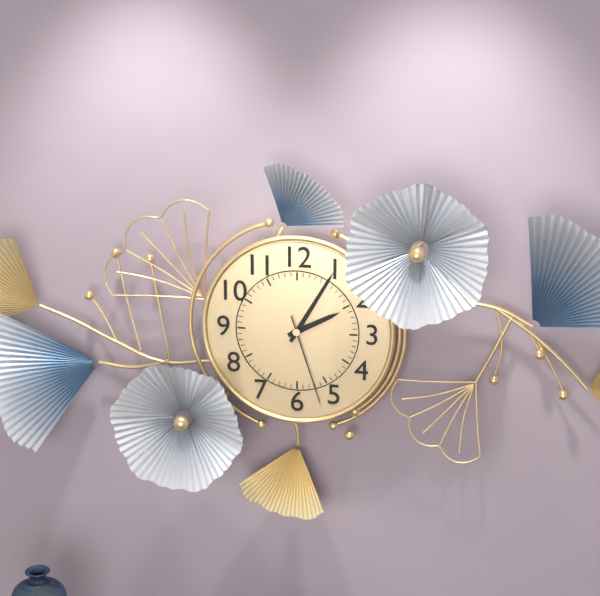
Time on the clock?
2:05:27
